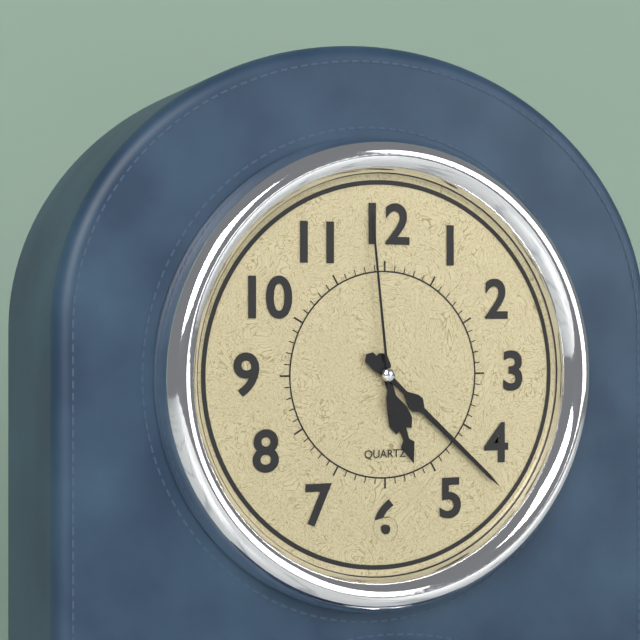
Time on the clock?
5:22:59
